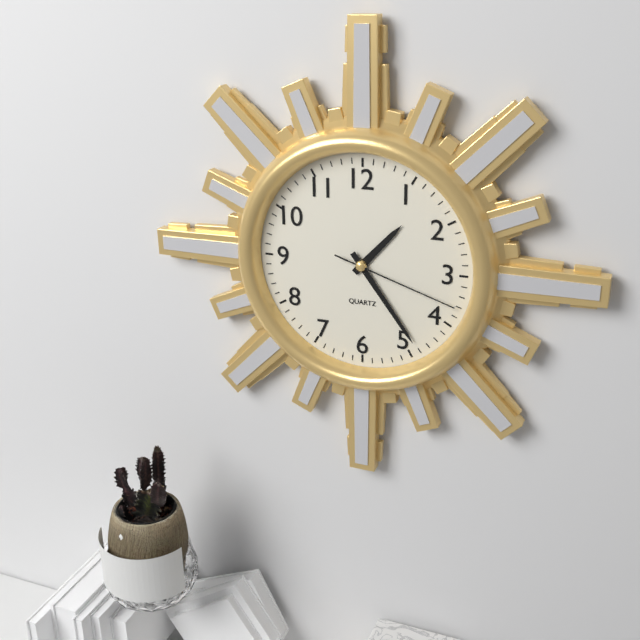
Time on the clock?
1:24:18
